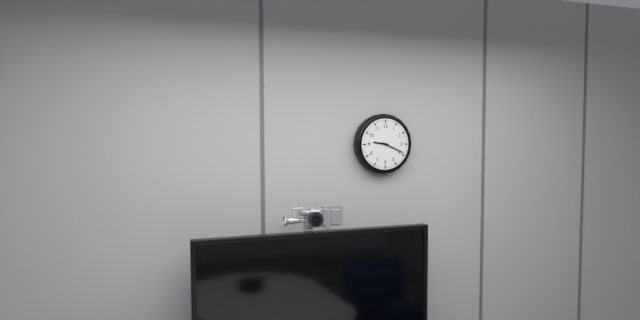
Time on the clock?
9:19
